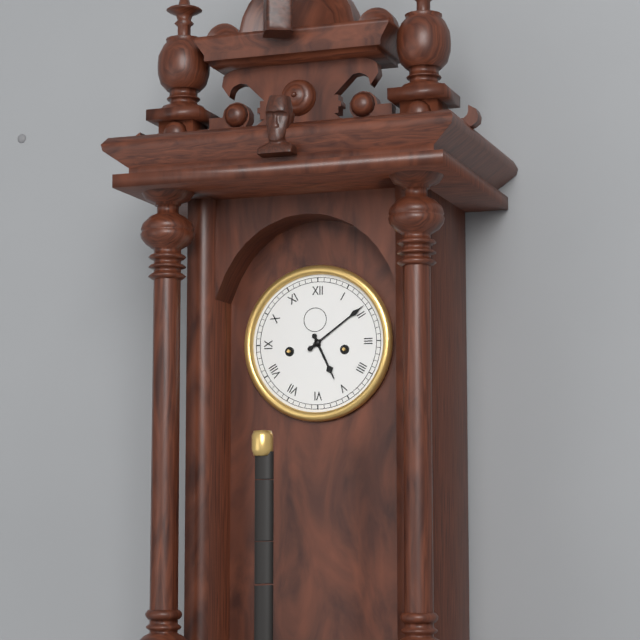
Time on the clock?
5:09
